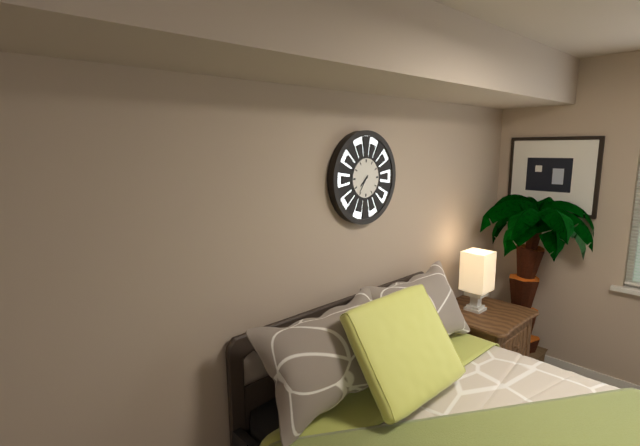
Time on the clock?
7:36
